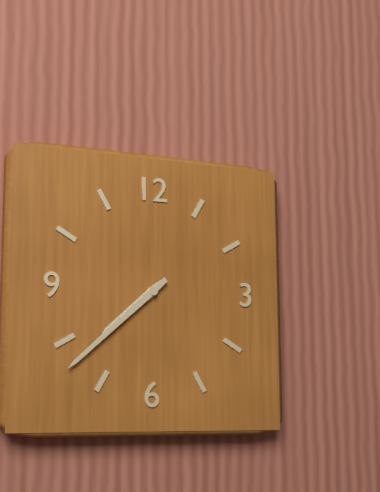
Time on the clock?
7:38
